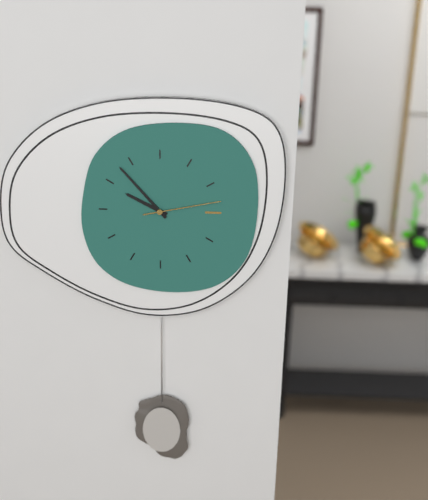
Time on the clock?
9:53:13
